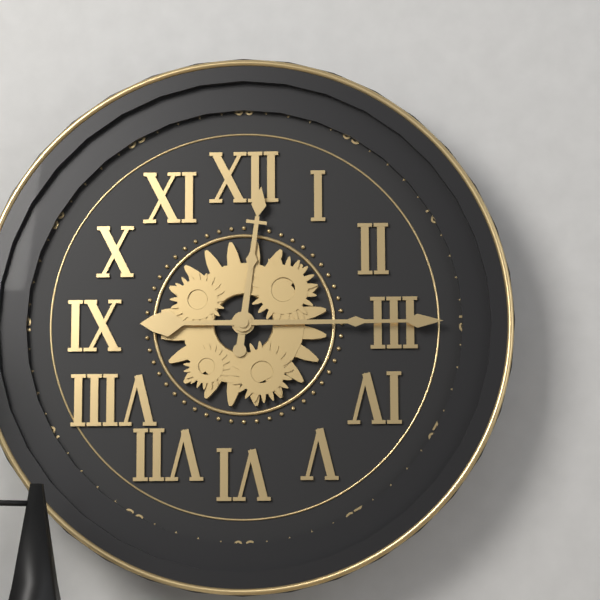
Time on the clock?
12:15
